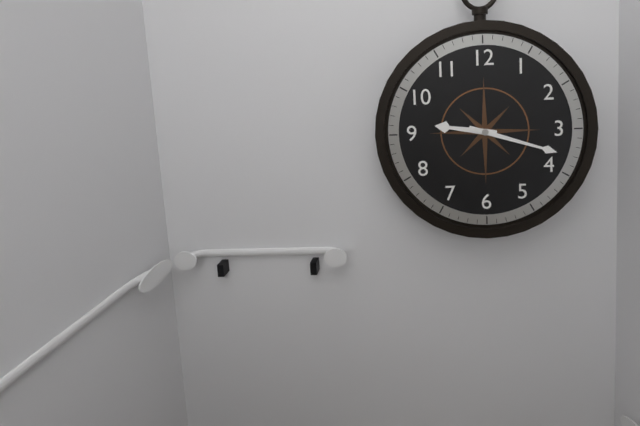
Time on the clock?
9:18
